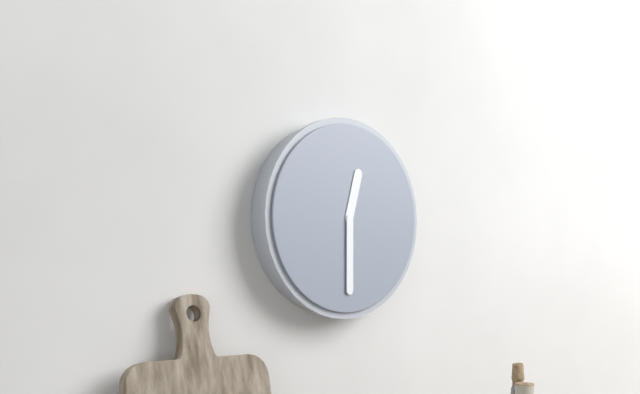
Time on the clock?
12:30
